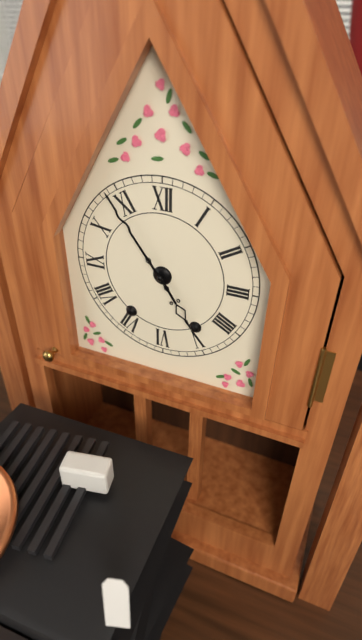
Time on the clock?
4:54
